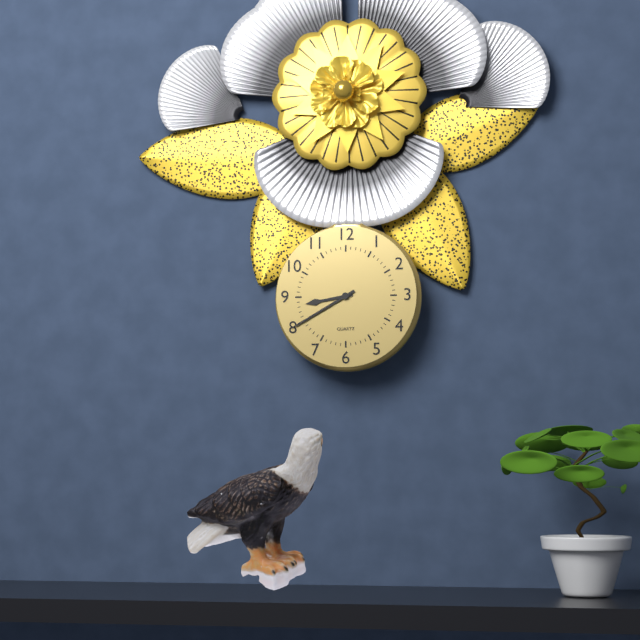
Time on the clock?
8:40
